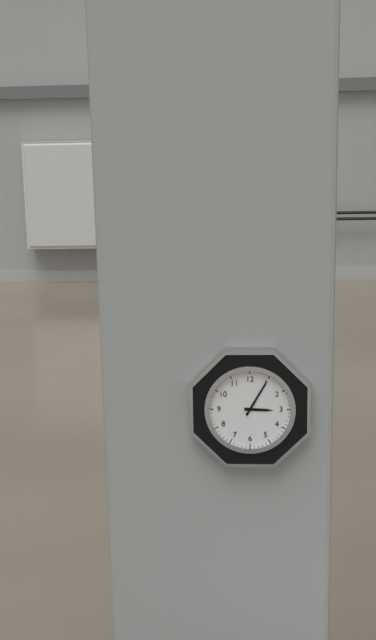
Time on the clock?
3:05
